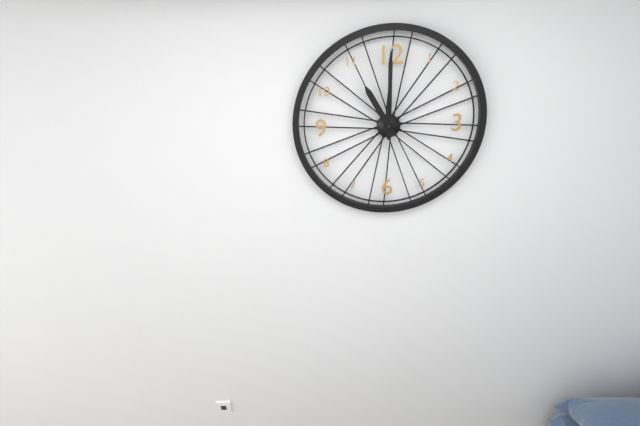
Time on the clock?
11:00
